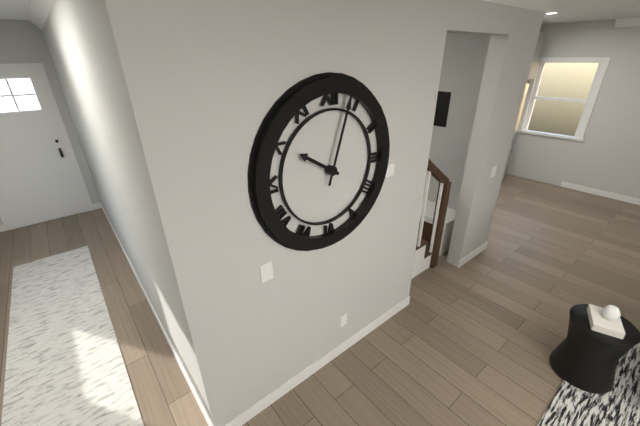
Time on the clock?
10:03
